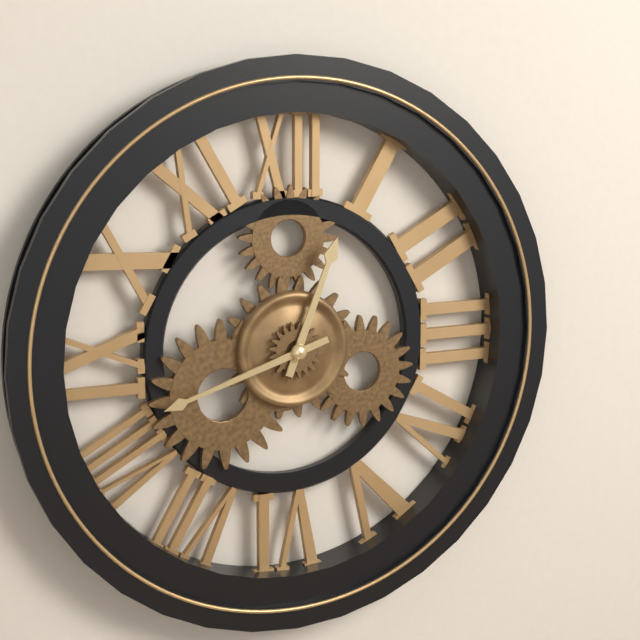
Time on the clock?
12:42
